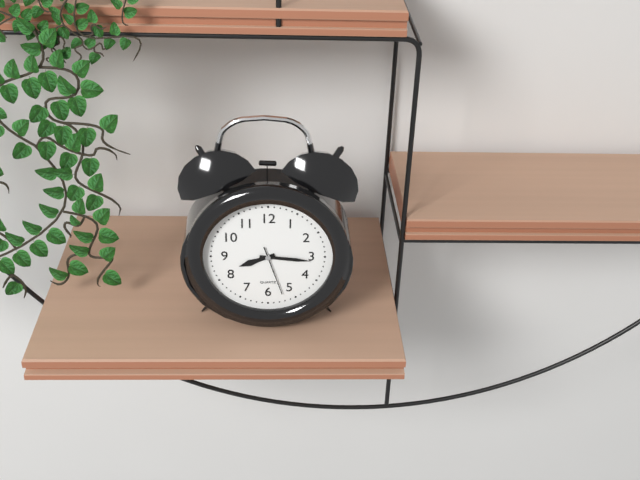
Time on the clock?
8:16
